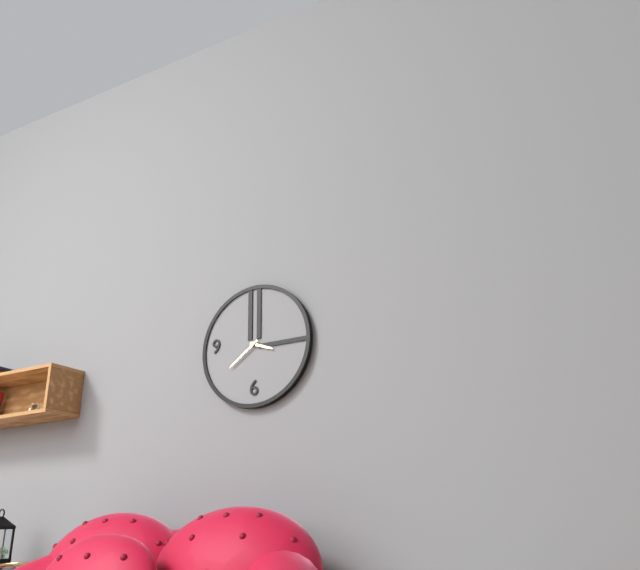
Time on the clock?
3:39
